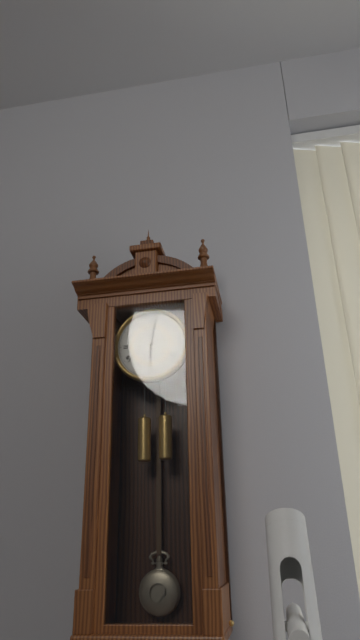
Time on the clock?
6:02
